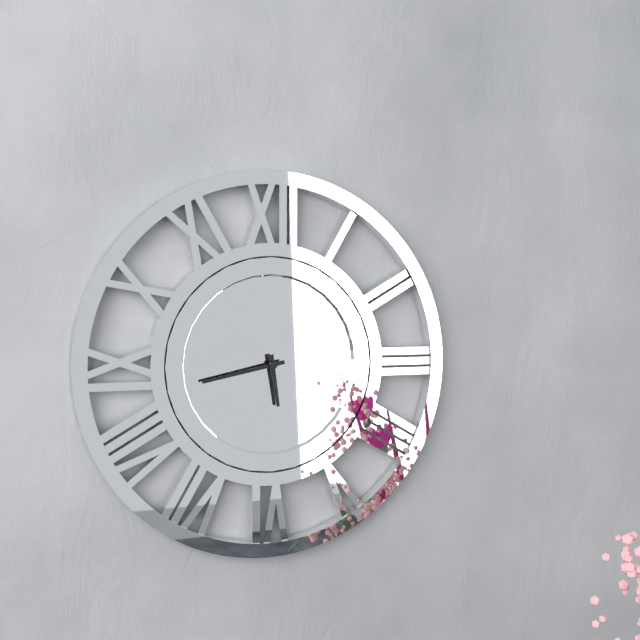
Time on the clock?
5:43
